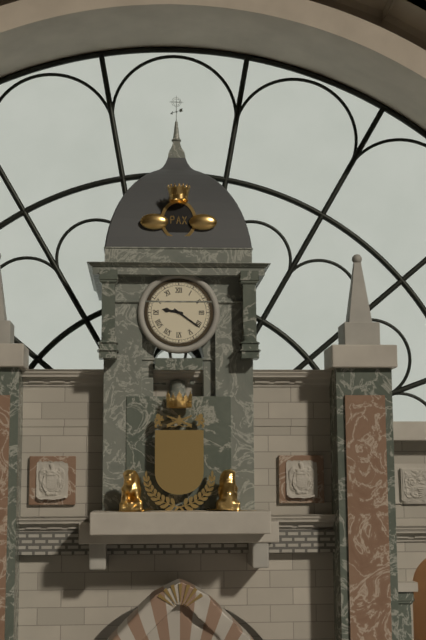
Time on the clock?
9:21
